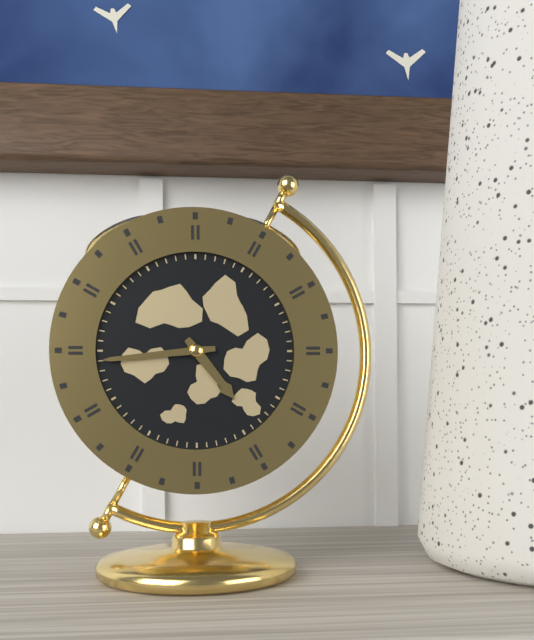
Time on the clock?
4:44
